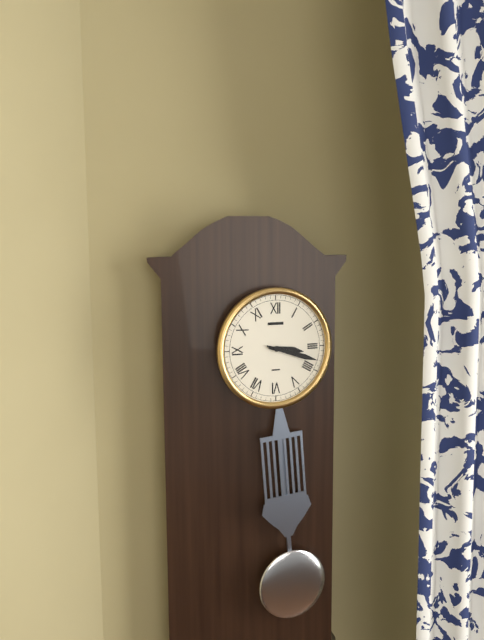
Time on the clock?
3:18
